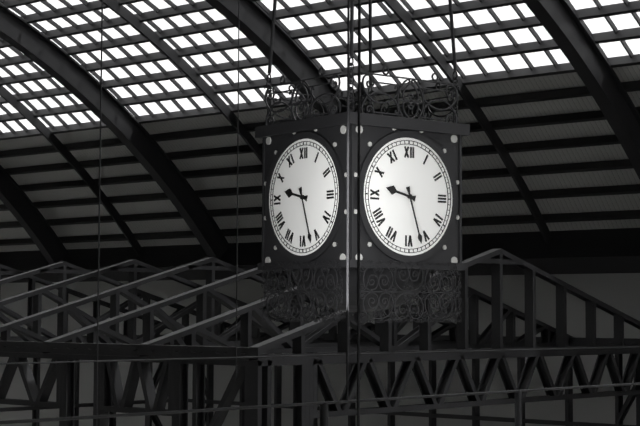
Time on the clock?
9:27
